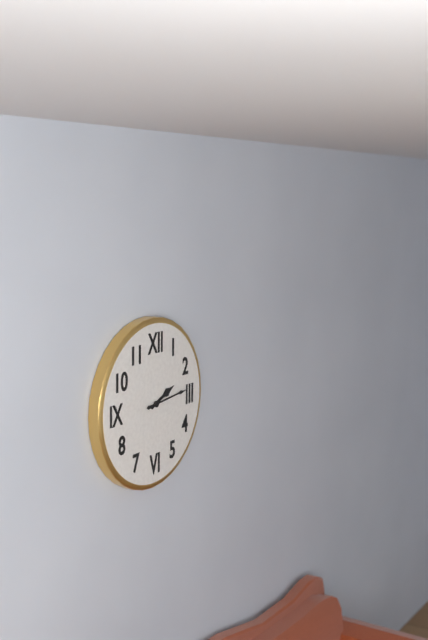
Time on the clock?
2:14
